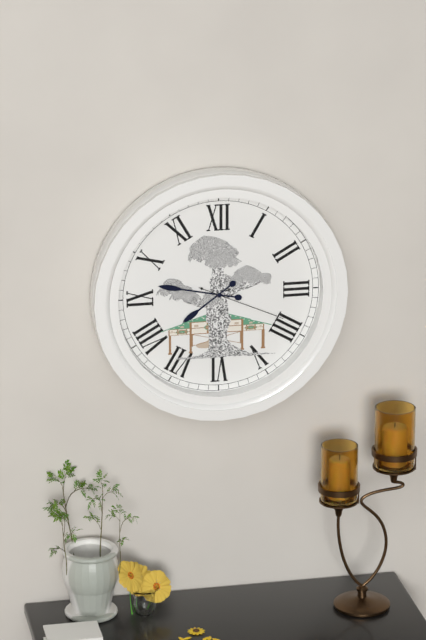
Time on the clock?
7:47:19
